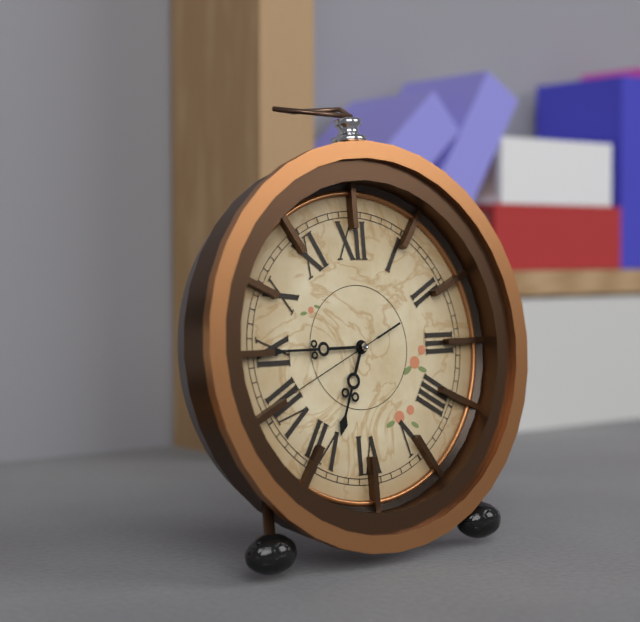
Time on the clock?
6:45:41
